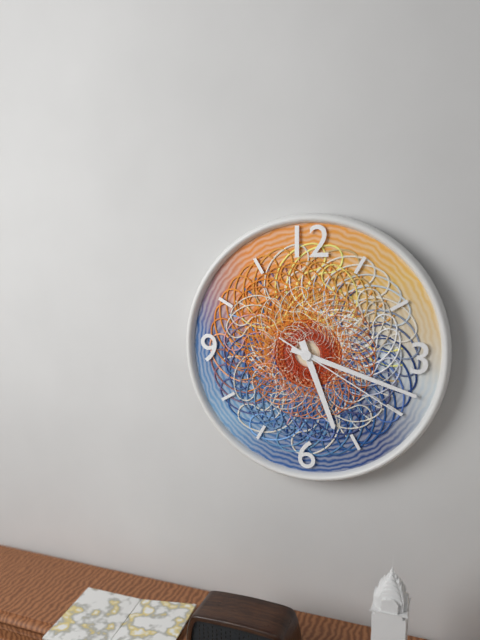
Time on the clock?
5:18:20
